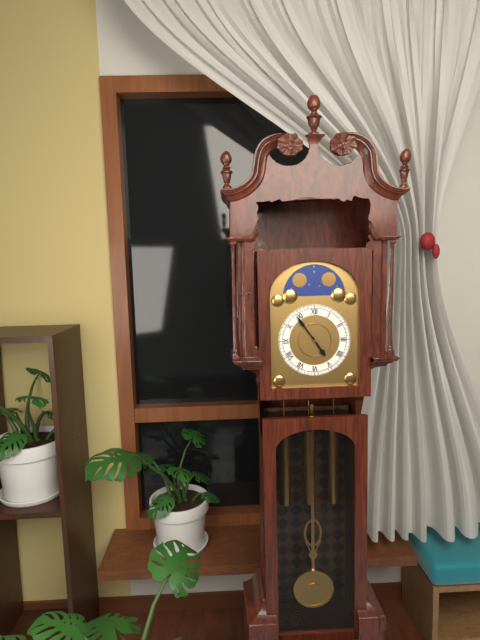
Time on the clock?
4:54
